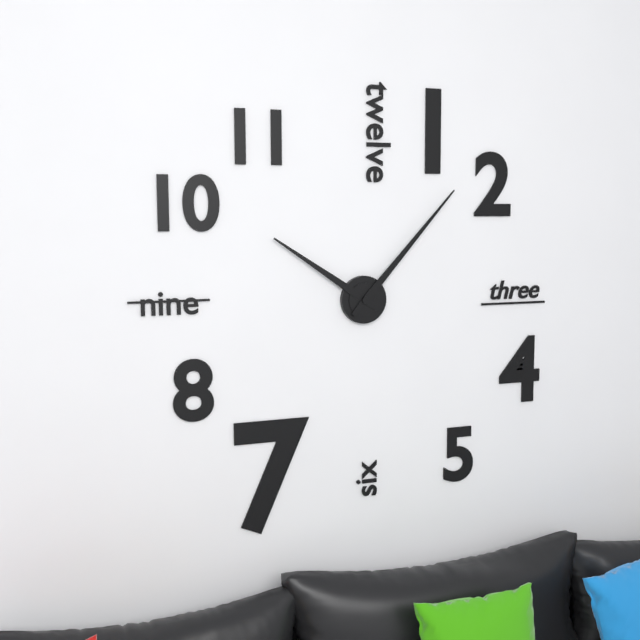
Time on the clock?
10:07
